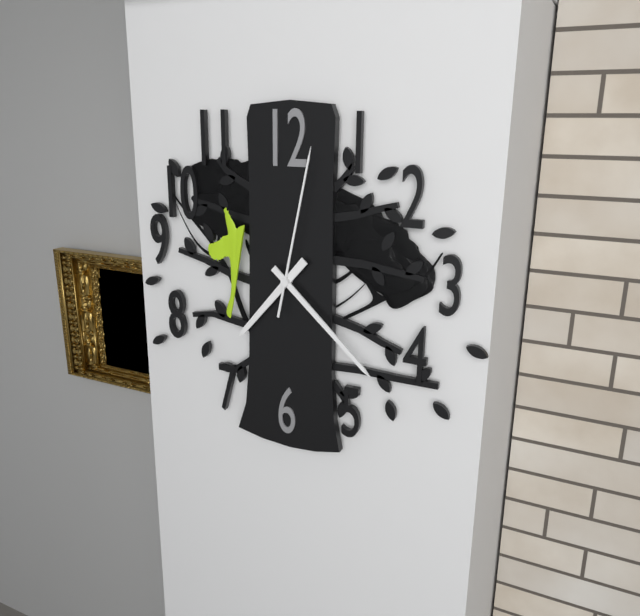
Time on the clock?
7:22:02
